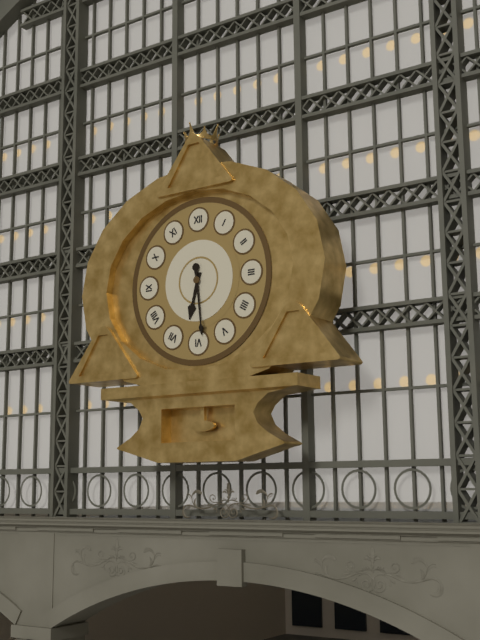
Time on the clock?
6:29
